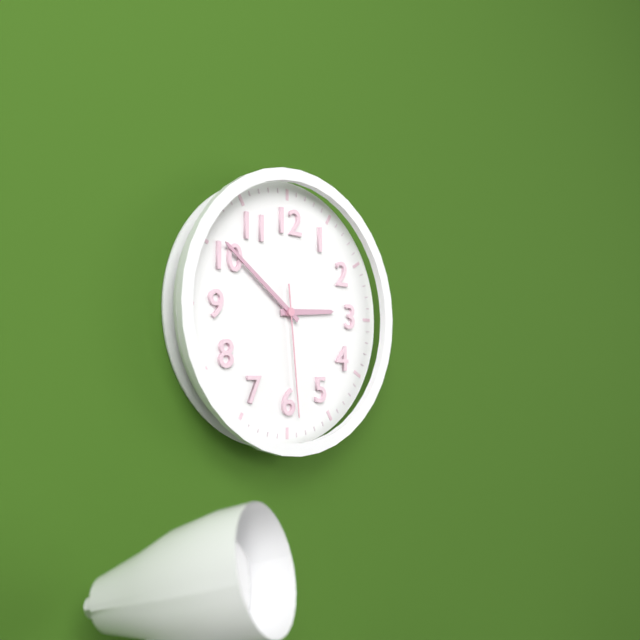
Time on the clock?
2:51:29
